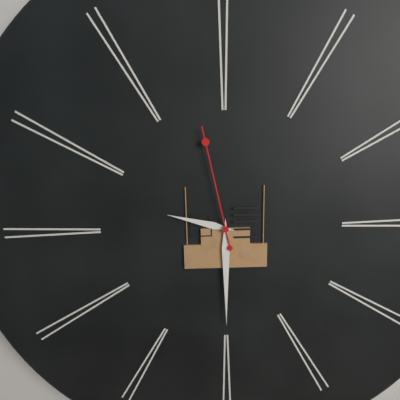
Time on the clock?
9:30:58
